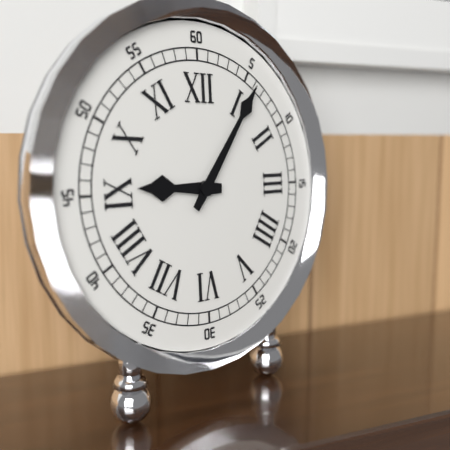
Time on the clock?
9:06
